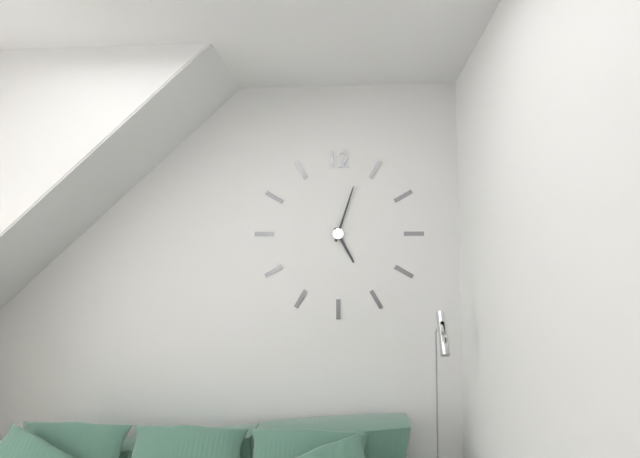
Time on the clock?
5:03
